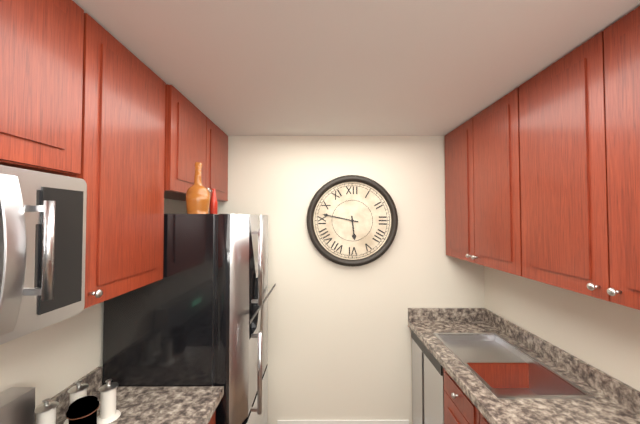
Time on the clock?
5:47
